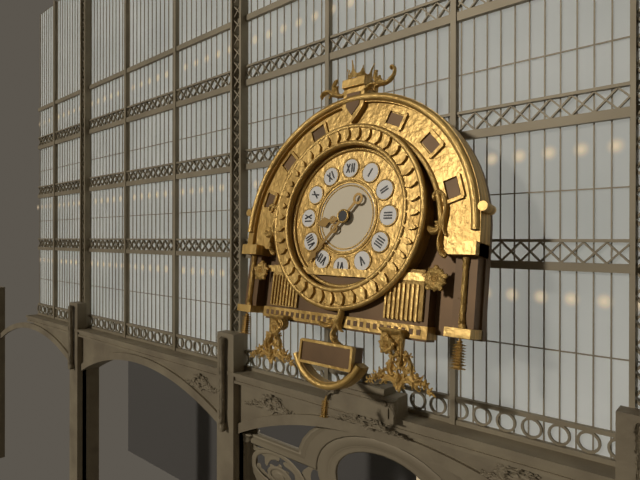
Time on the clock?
8:37
